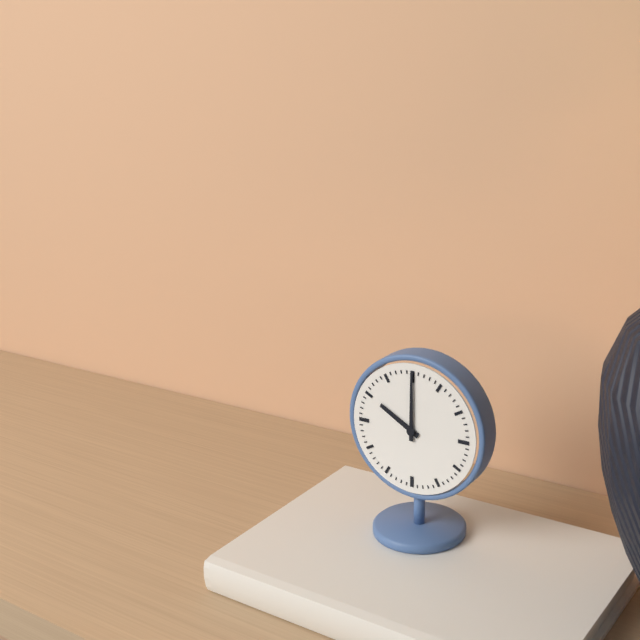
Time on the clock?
10:00
